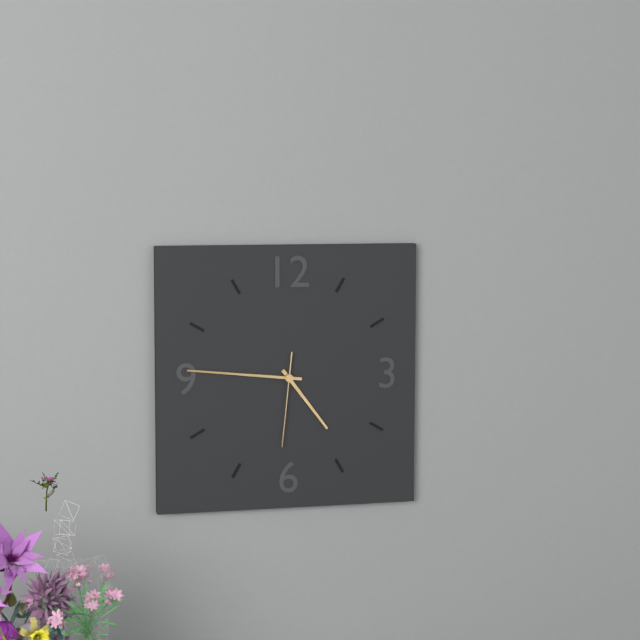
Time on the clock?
4:46:31
